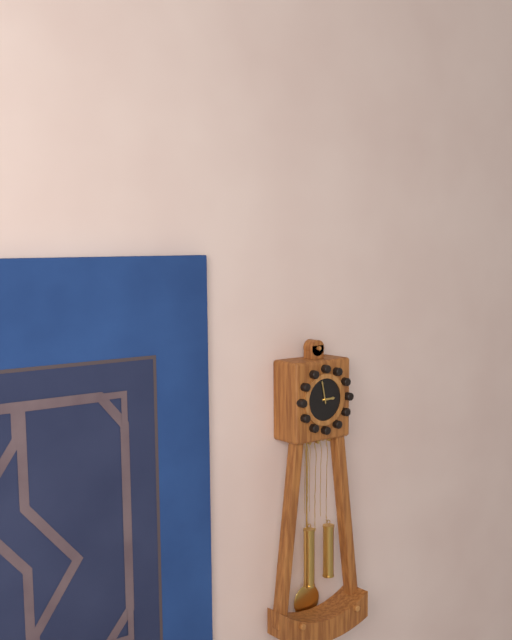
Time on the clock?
2:58
